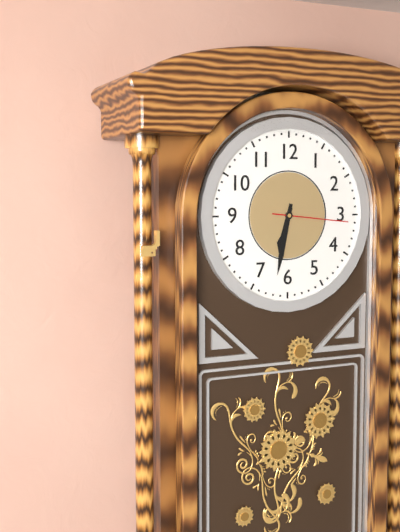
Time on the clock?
6:32:16
